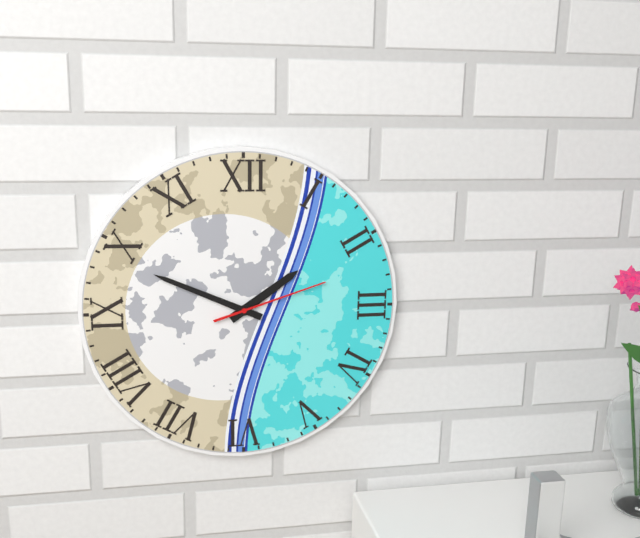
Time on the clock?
1:49:12
